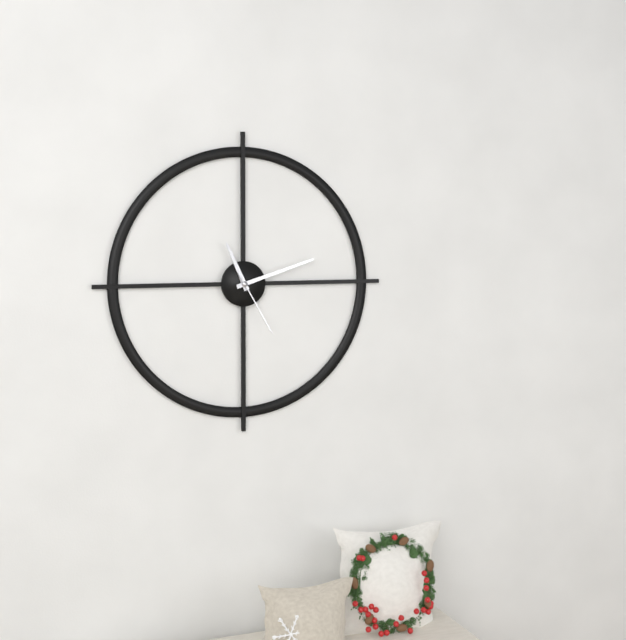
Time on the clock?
11:12:25
